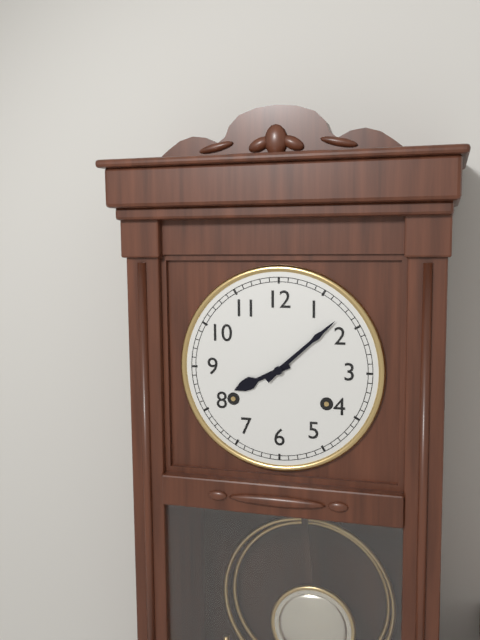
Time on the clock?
8:08
